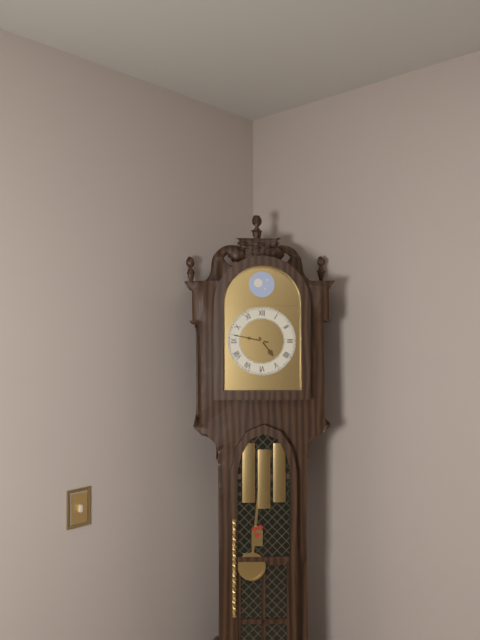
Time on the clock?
4:47
